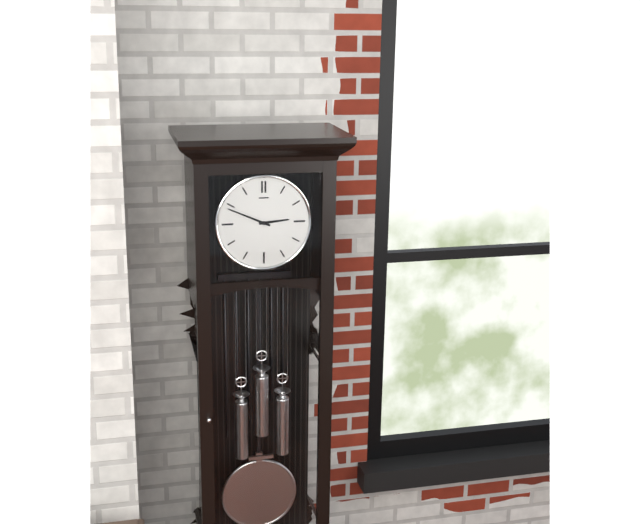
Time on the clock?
2:49
